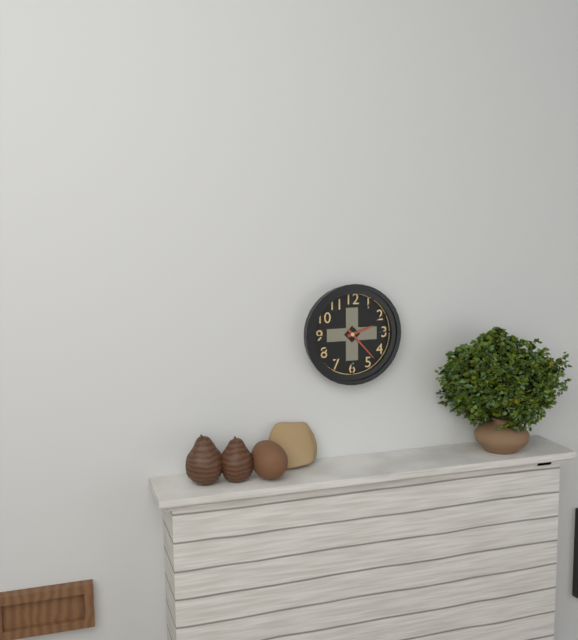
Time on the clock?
2:23
